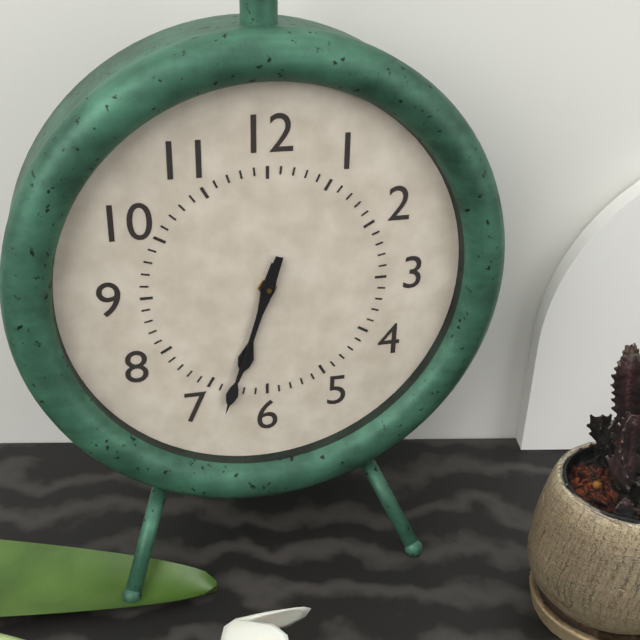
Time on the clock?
6:33
